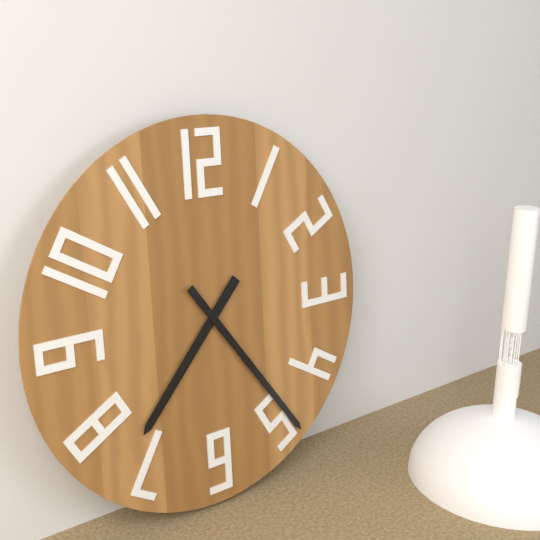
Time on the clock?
7:24
